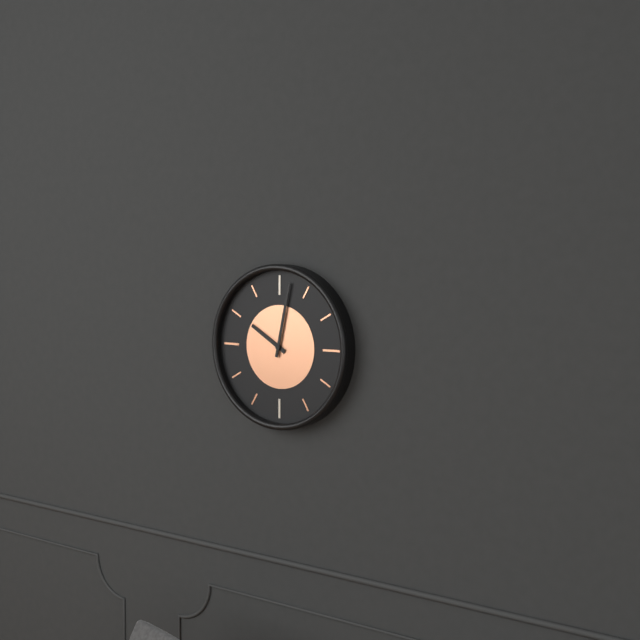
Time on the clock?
10:02
